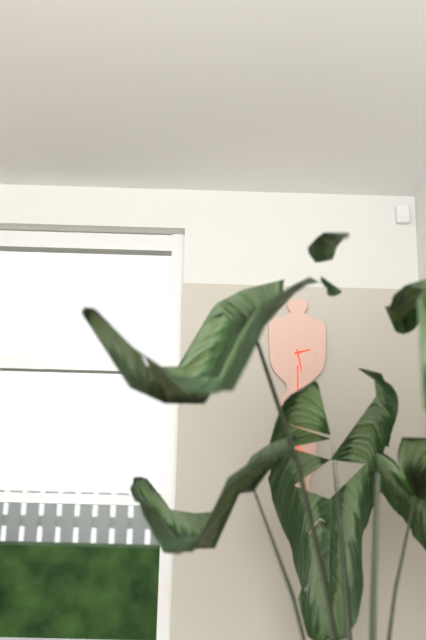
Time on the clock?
2:28
